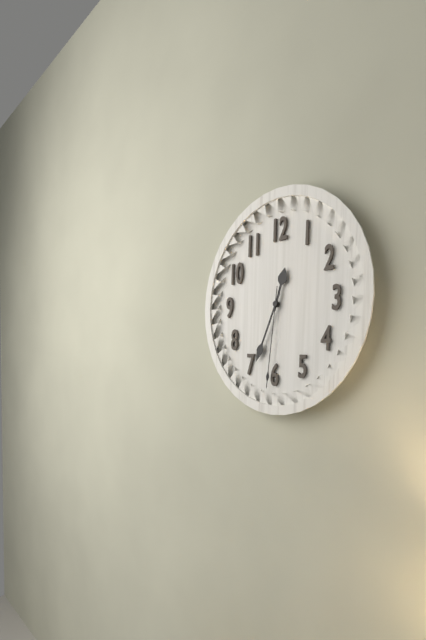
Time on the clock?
12:34:31
